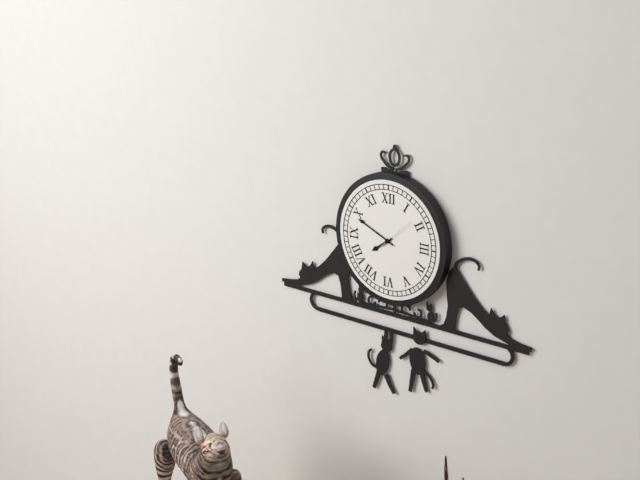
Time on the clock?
7:49
